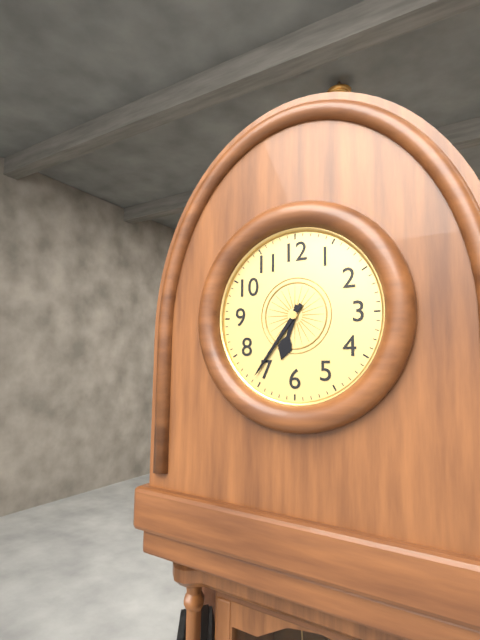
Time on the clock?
6:36
